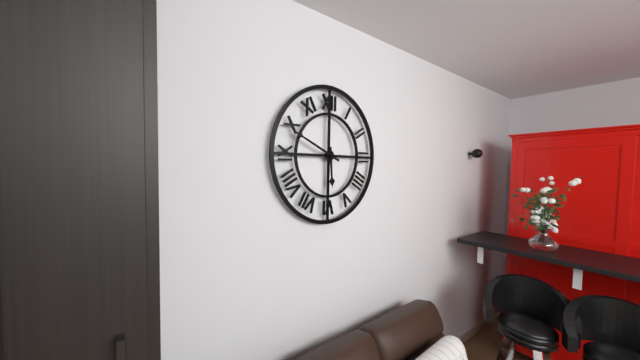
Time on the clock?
5:49
